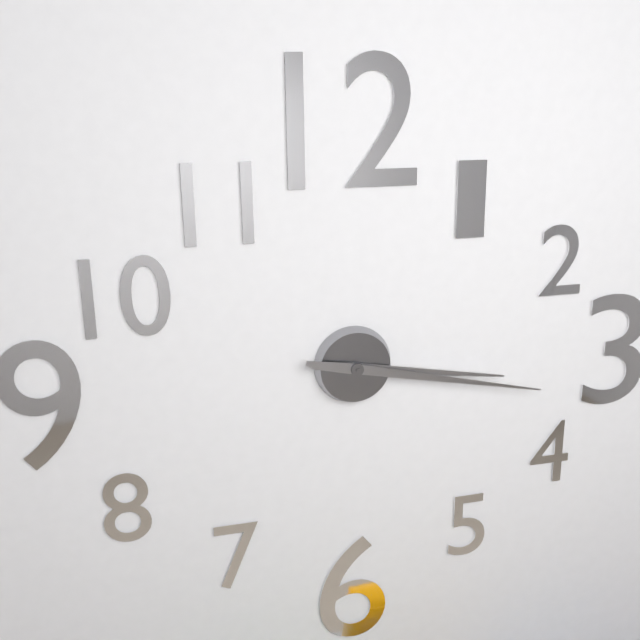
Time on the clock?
3:17
